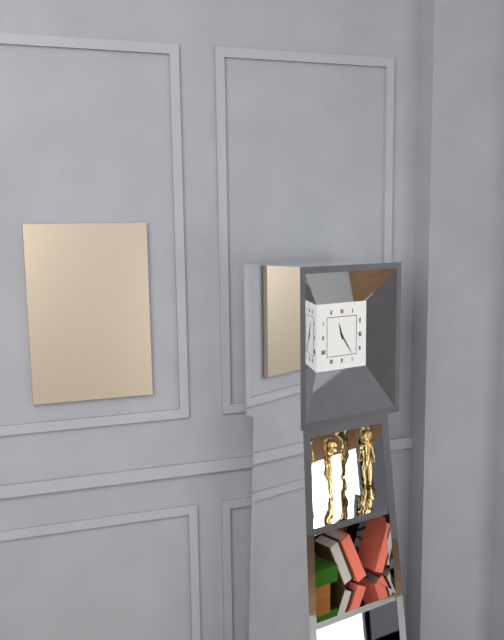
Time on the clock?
11:24
